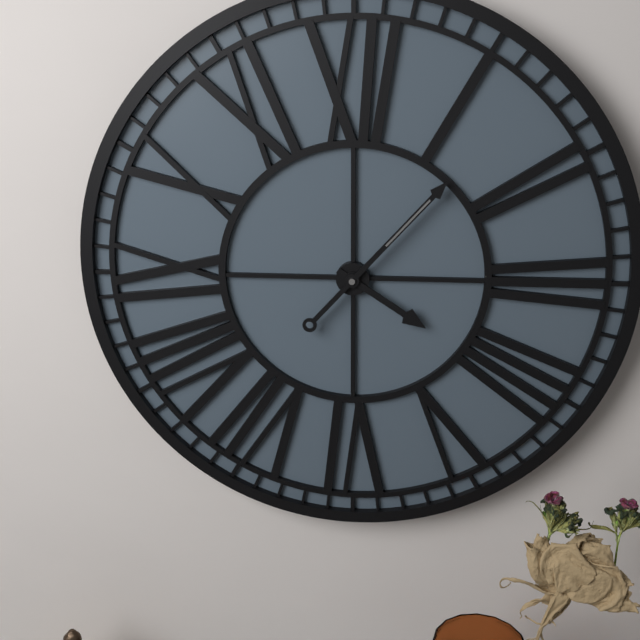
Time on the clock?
4:07
